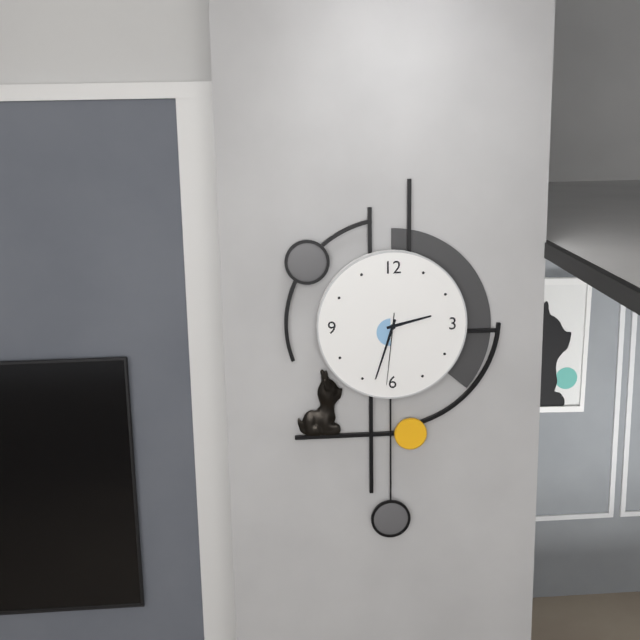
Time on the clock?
2:33:31
